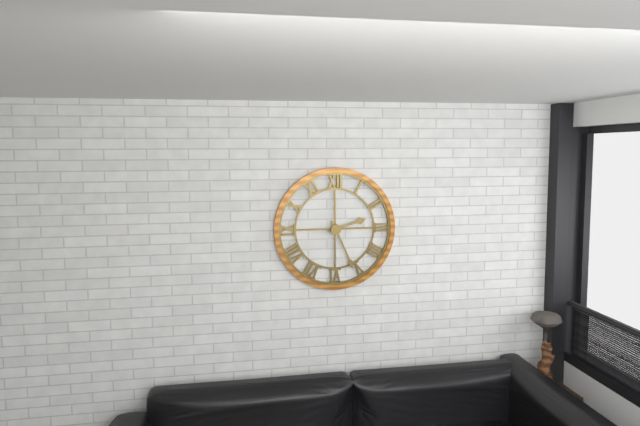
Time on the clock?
2:26
